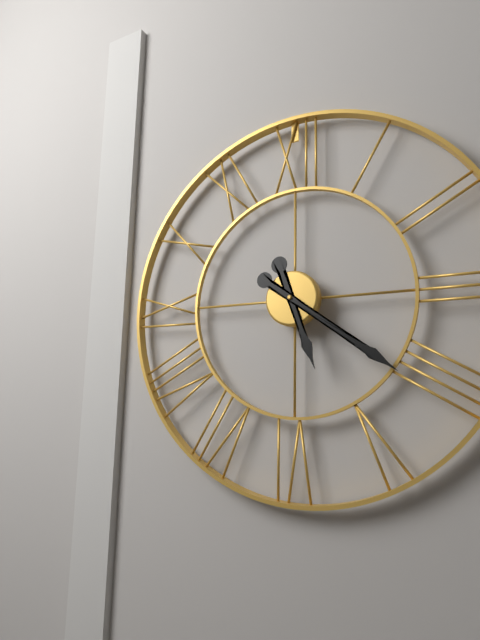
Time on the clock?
5:21
